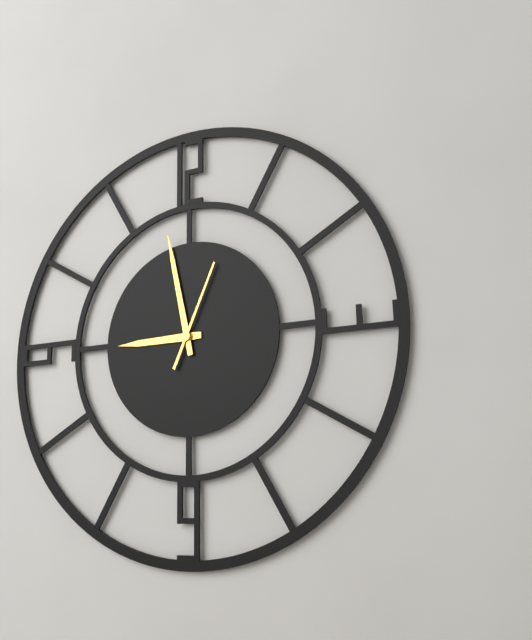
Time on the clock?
8:58:04
